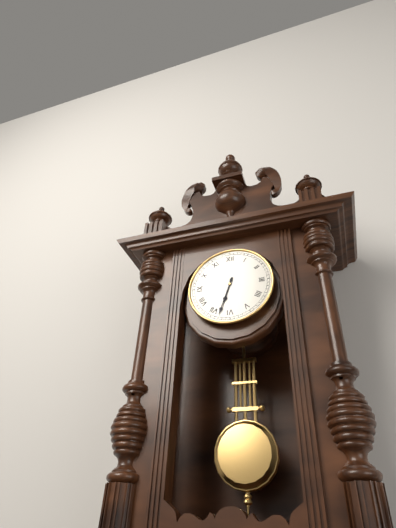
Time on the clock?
6:33
